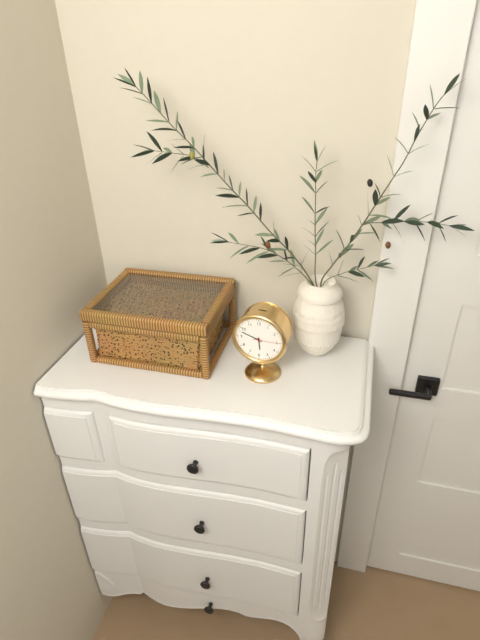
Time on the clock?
5:48
